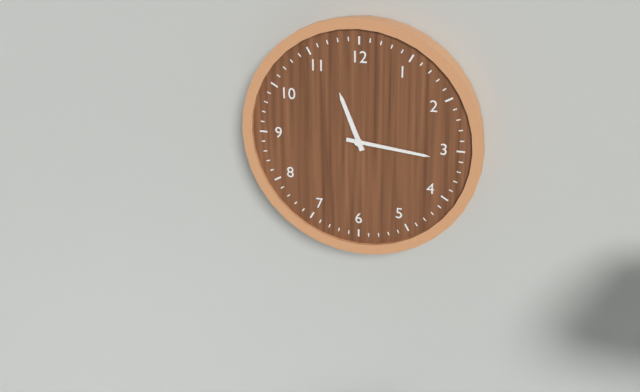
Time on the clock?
11:16
